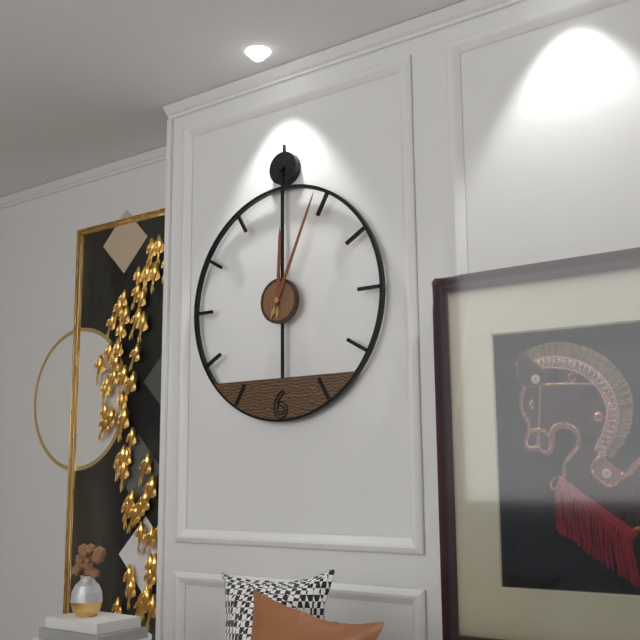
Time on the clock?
12:04
